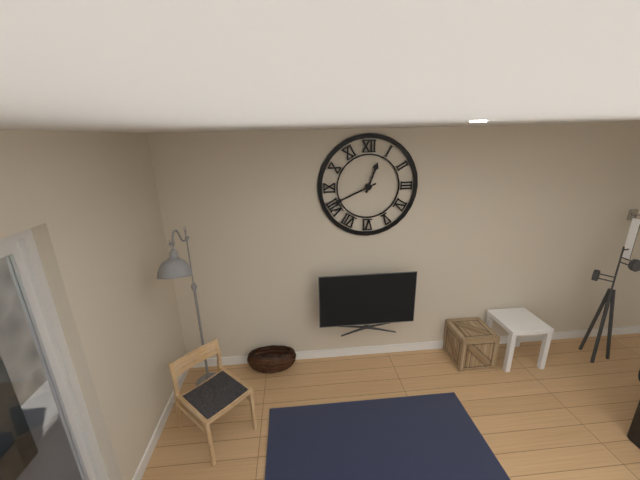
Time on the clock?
12:41
